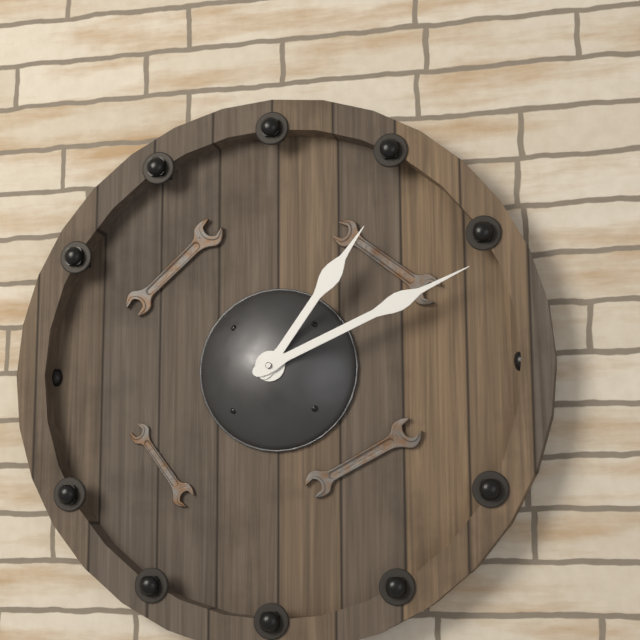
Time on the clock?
1:11
